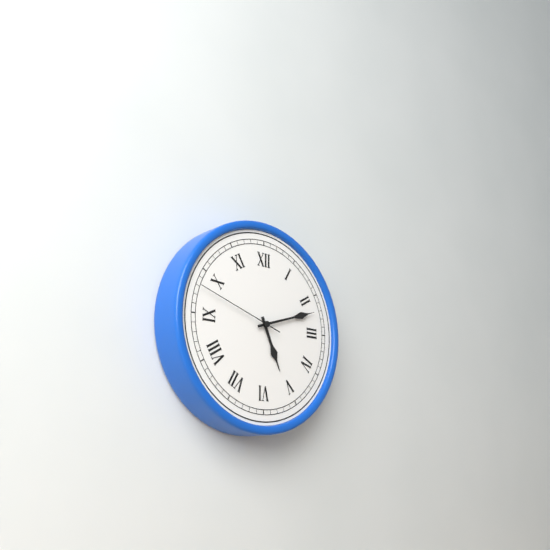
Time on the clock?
5:12:48
